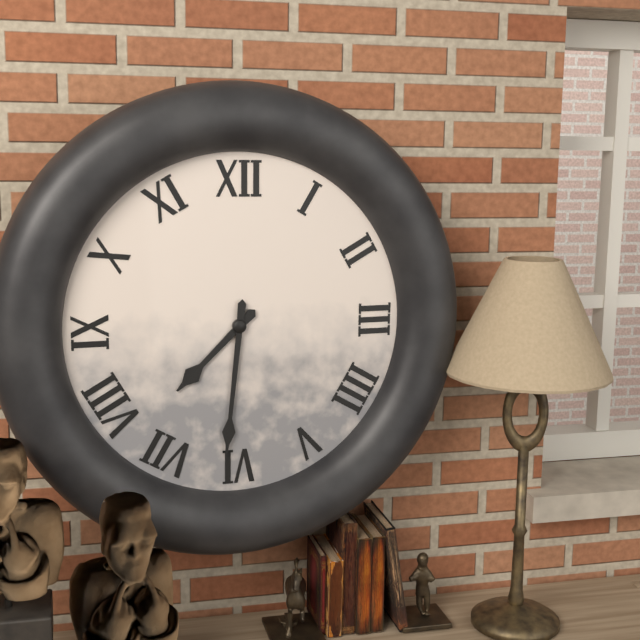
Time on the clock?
7:31
